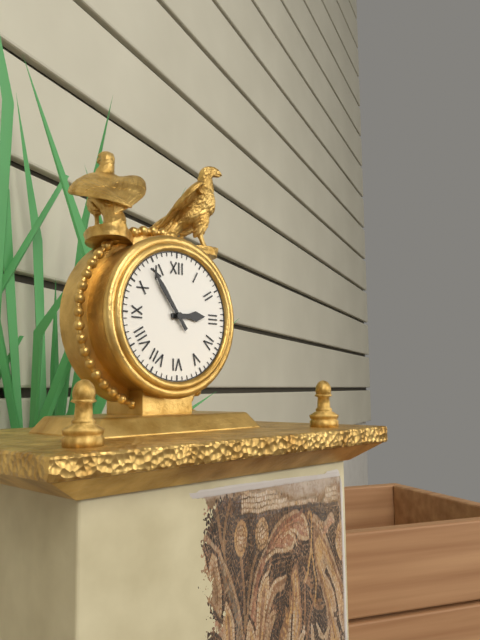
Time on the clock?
2:54
